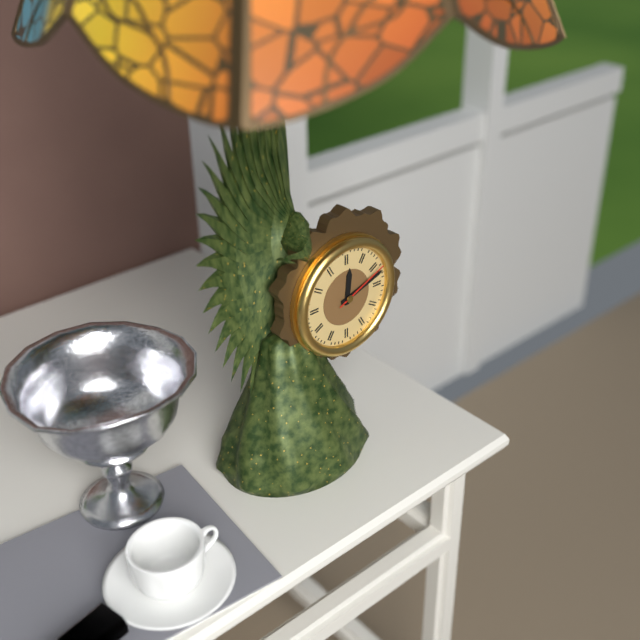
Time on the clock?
12:12:11
